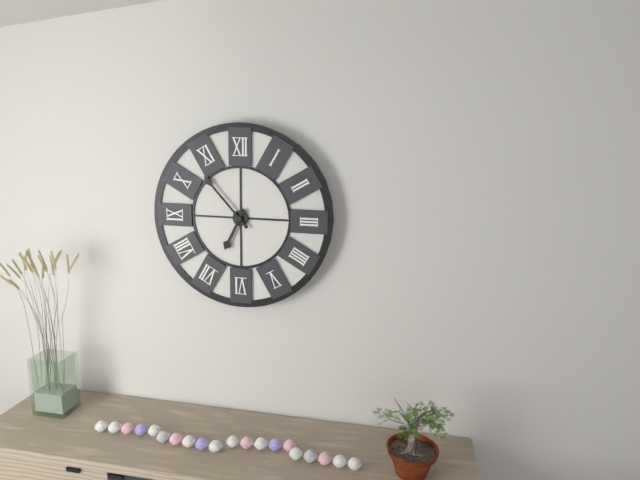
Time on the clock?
6:53
